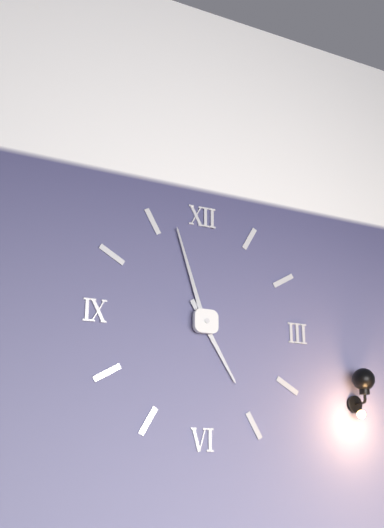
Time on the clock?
4:57
